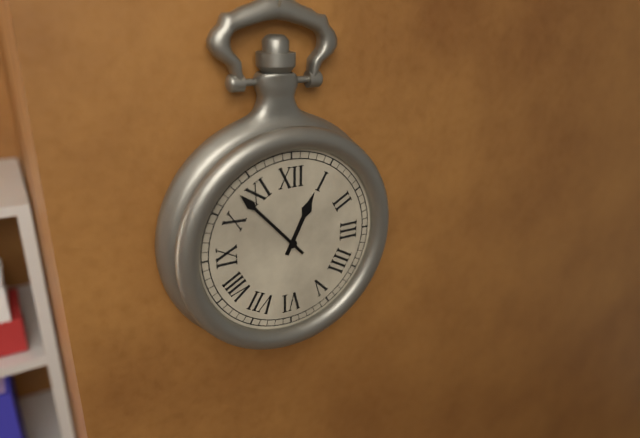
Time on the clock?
12:53
